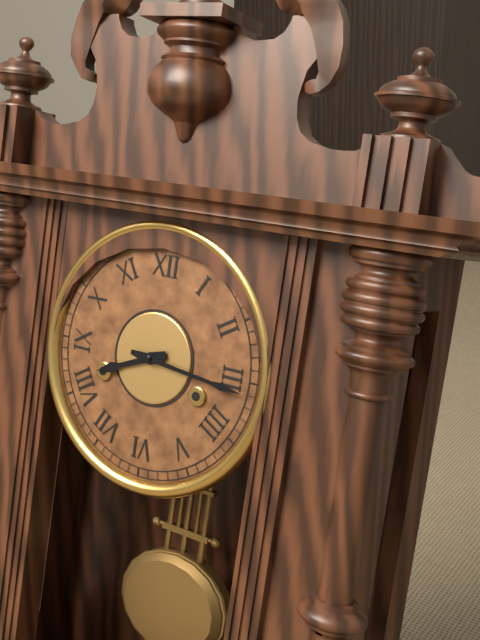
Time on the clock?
8:16
